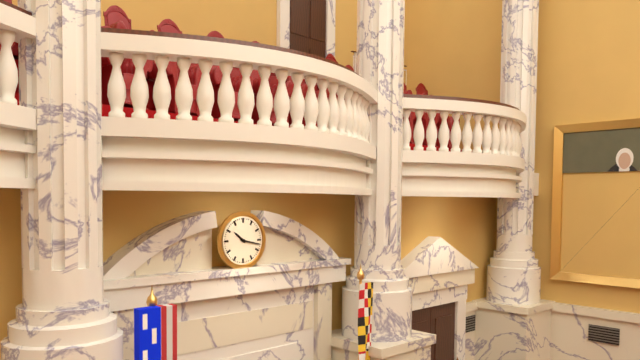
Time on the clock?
10:17
